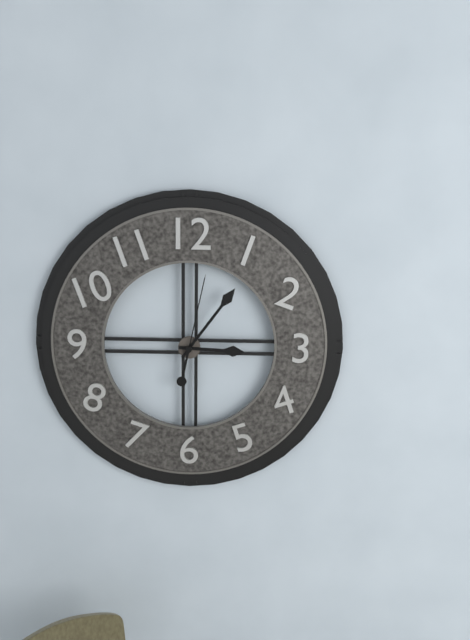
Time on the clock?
3:06:02
